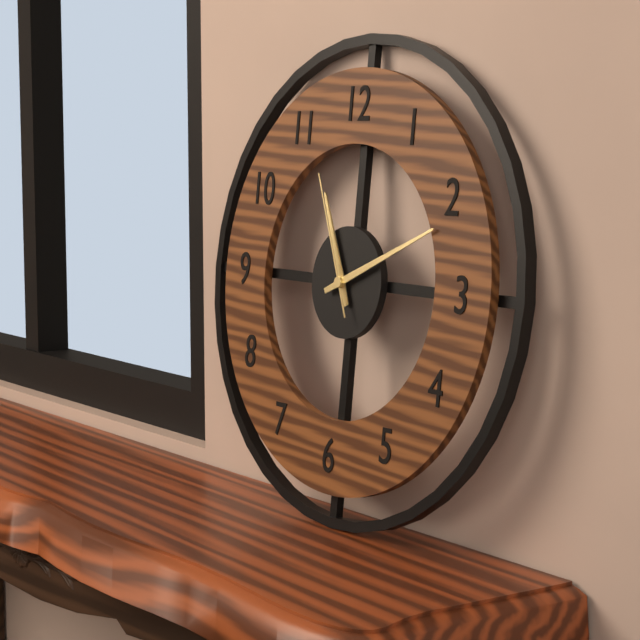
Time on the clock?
11:11:56
